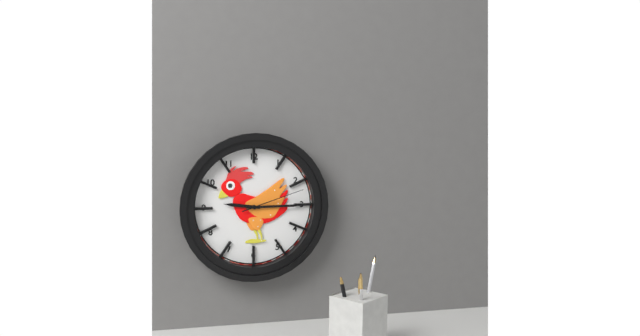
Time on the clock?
9:15:12
